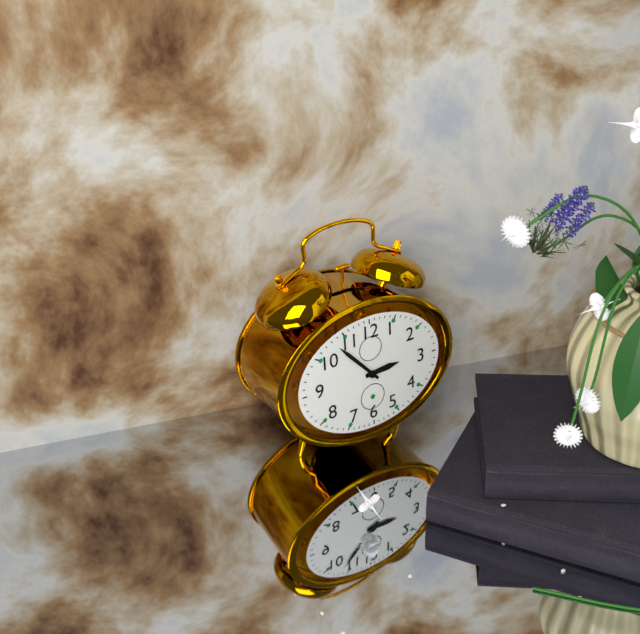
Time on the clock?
2:53
